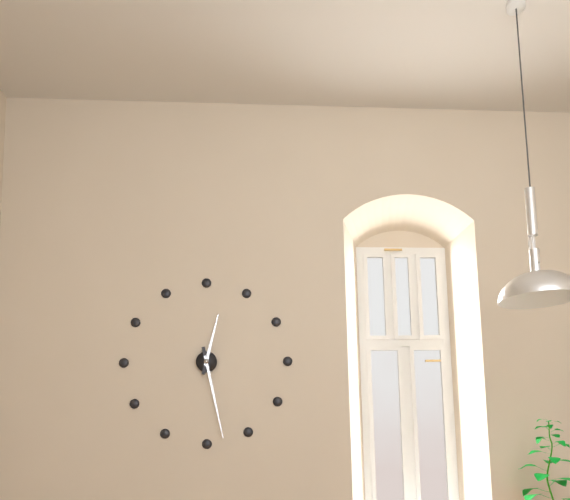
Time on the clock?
12:28
